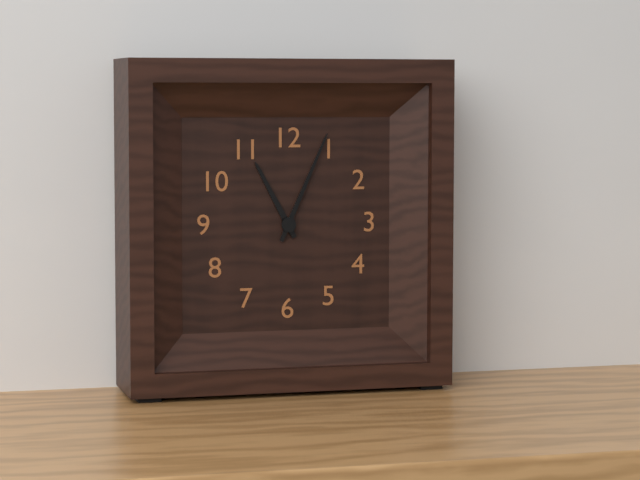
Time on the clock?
11:04
